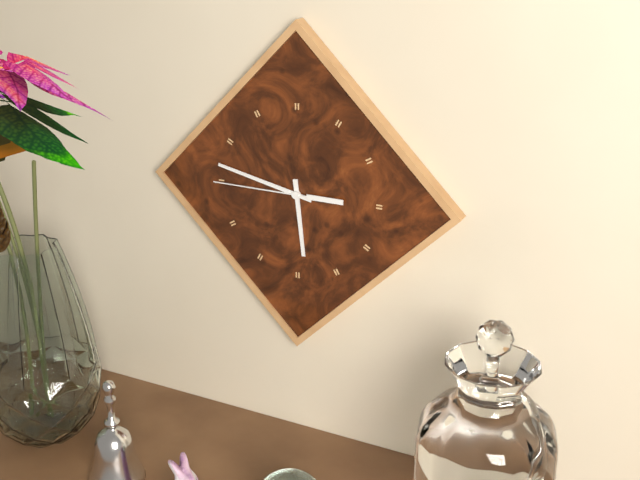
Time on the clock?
5:47:45
